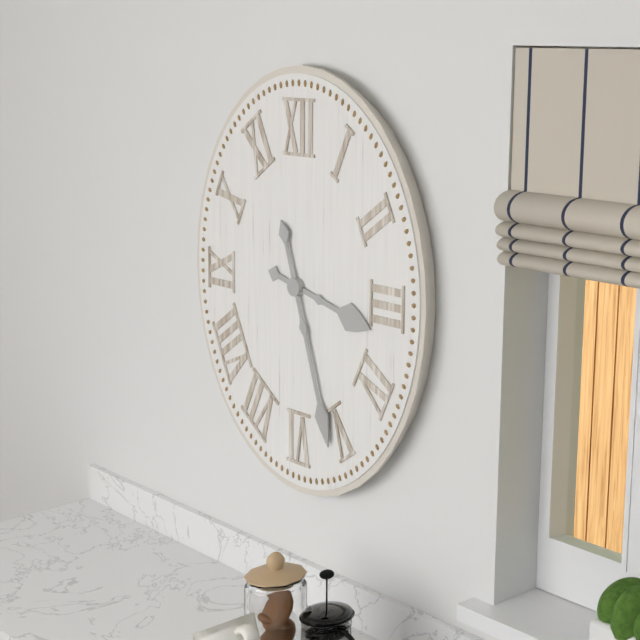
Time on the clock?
3:27
